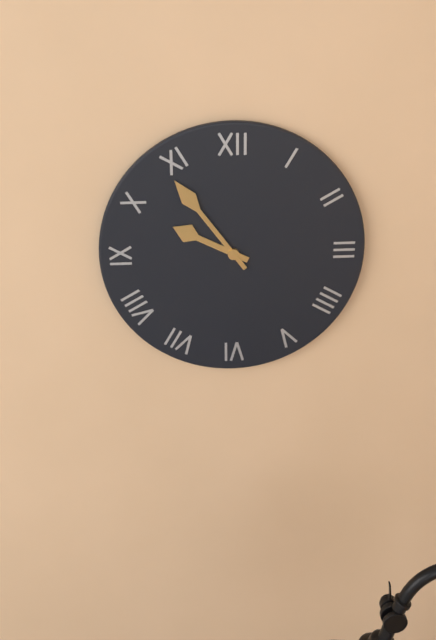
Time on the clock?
9:54
